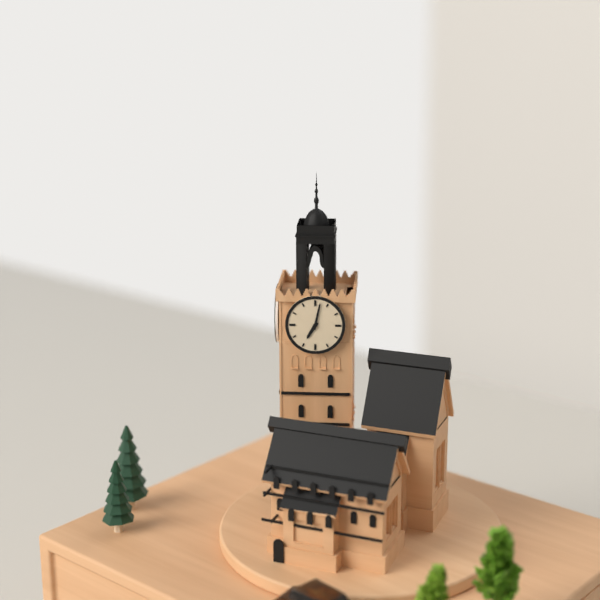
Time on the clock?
7:02
